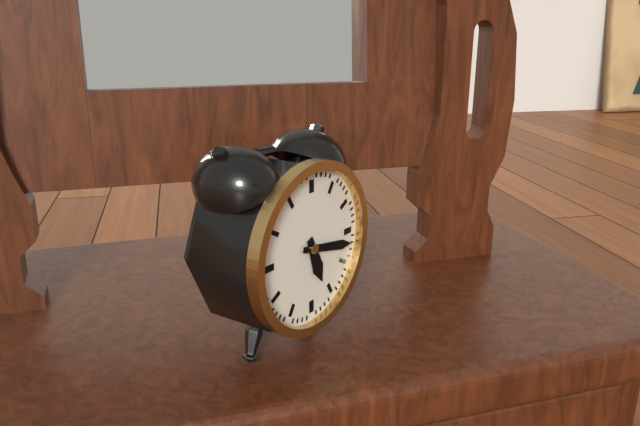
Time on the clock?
5:17
